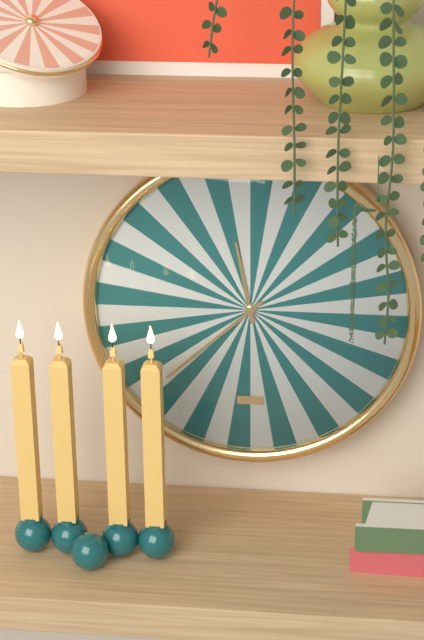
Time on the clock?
11:38
